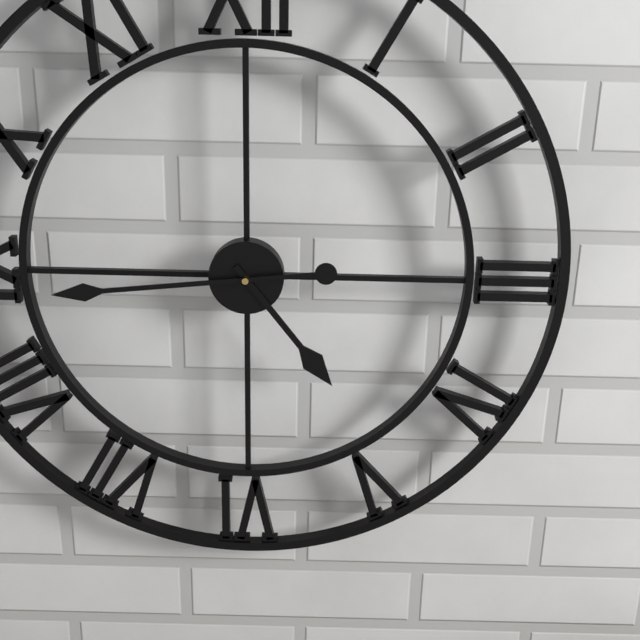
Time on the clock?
4:44
